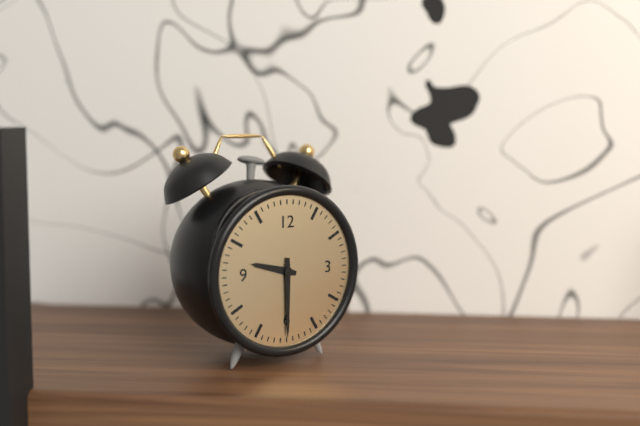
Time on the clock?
9:30
